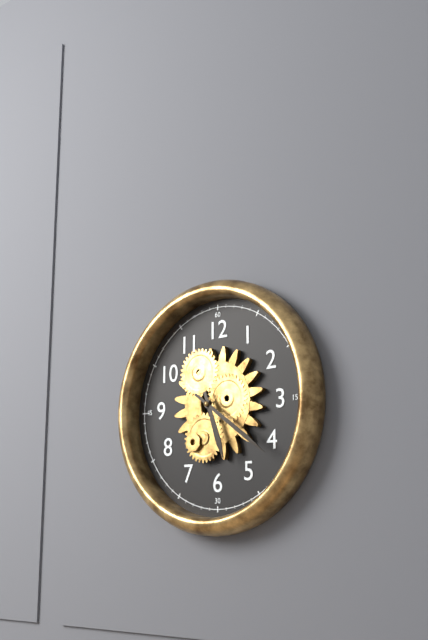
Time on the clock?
5:21
